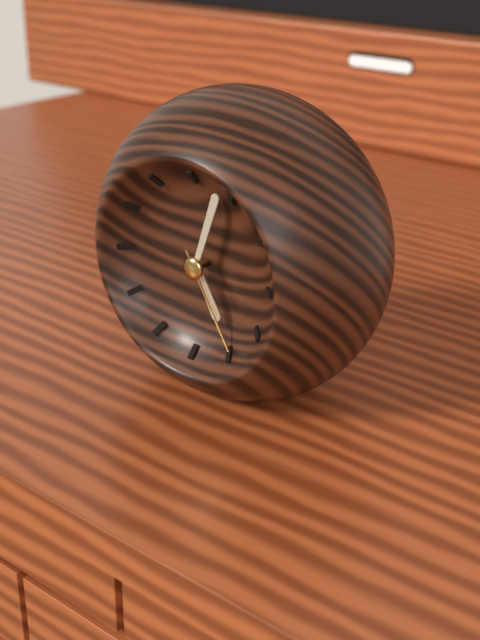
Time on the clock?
5:03:25
